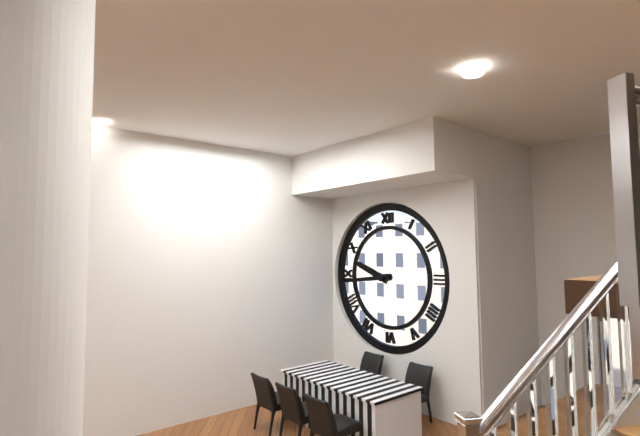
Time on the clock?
9:44
